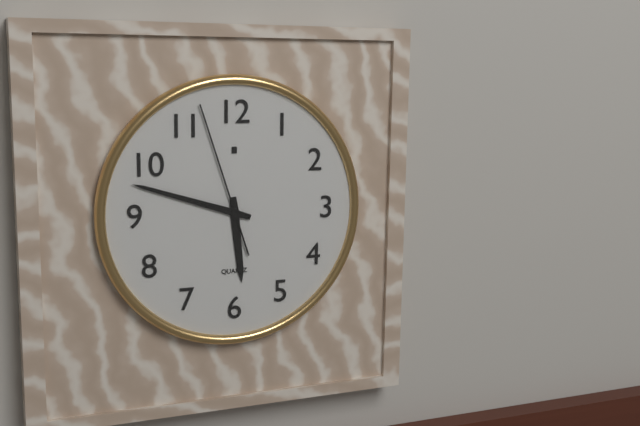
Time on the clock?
5:48:57
